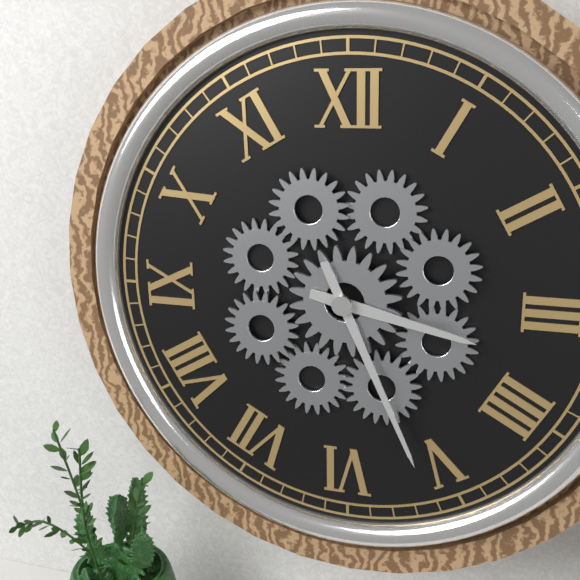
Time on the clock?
3:26
